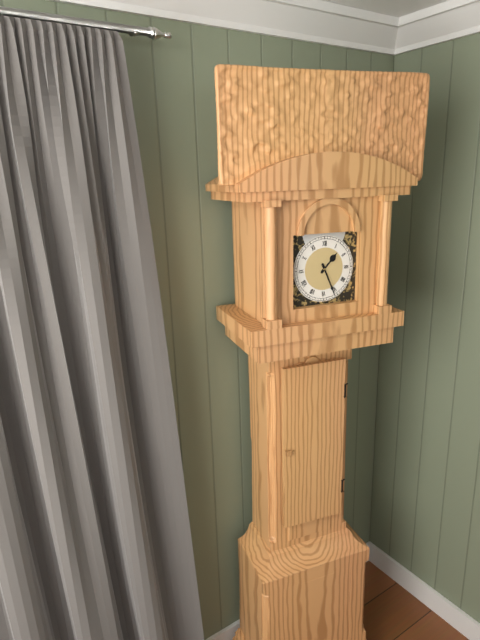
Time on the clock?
1:26
